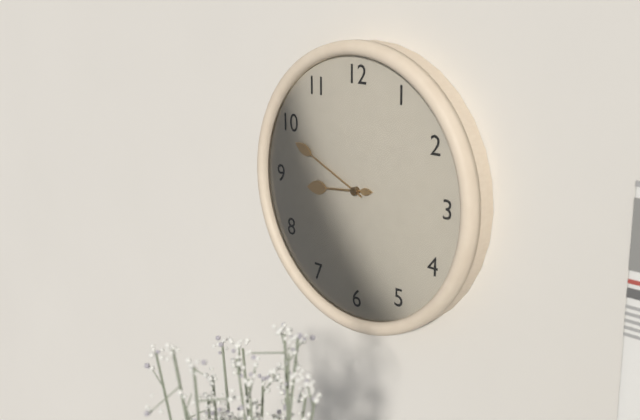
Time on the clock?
8:49
